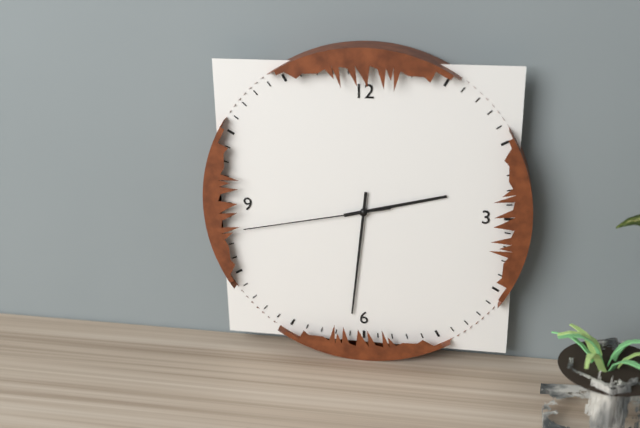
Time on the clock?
2:31:43
